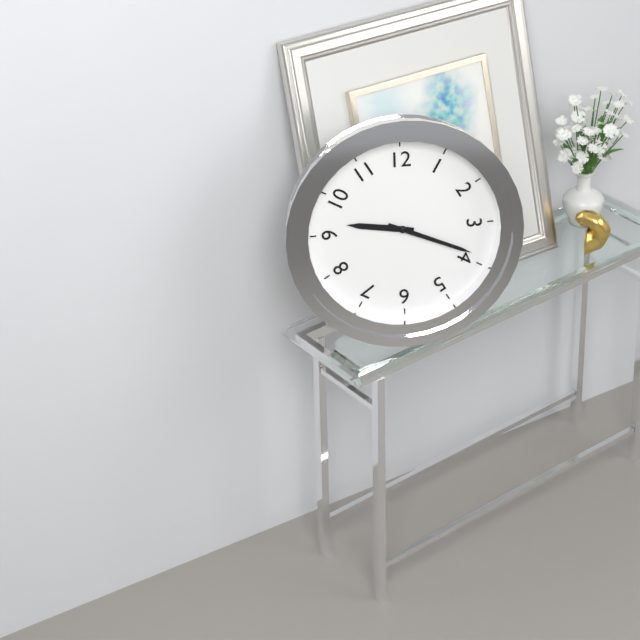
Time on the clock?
9:19
